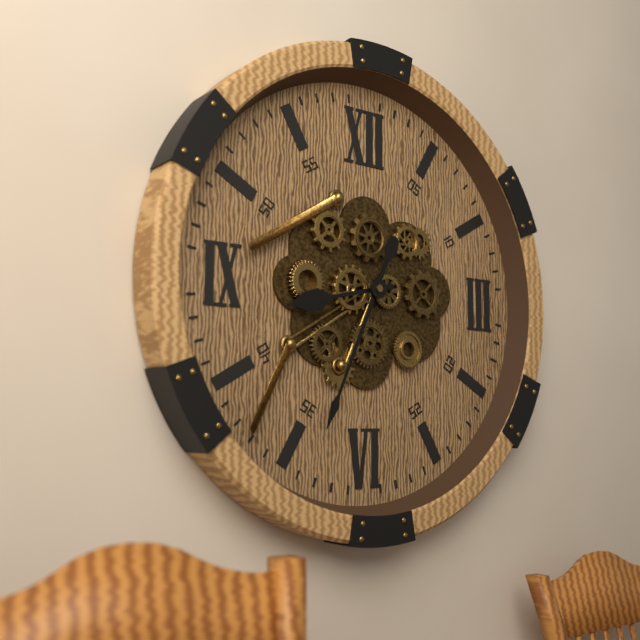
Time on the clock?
8:34
